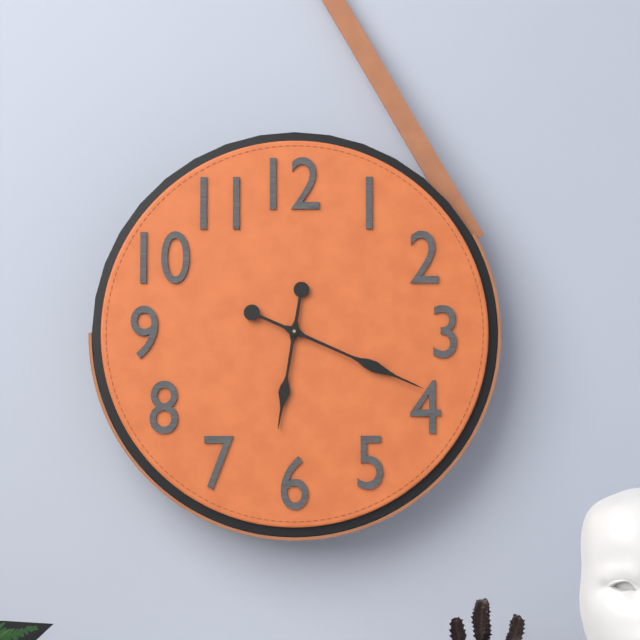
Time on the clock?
6:19
